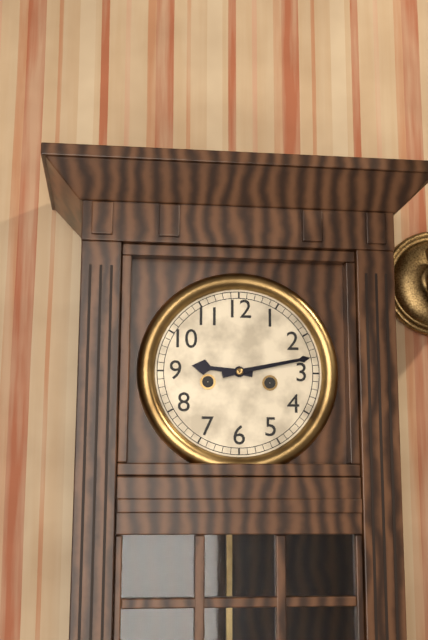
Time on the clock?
9:13
